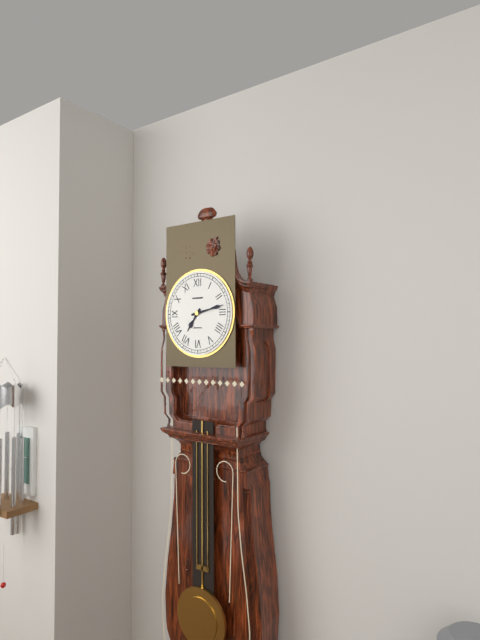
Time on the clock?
7:13
